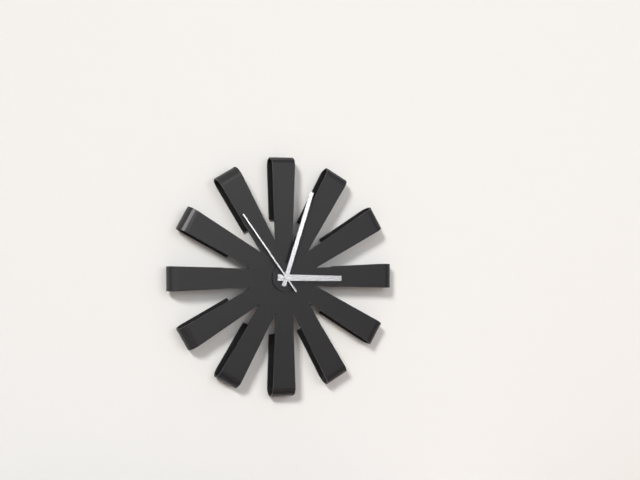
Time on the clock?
3:03:54
